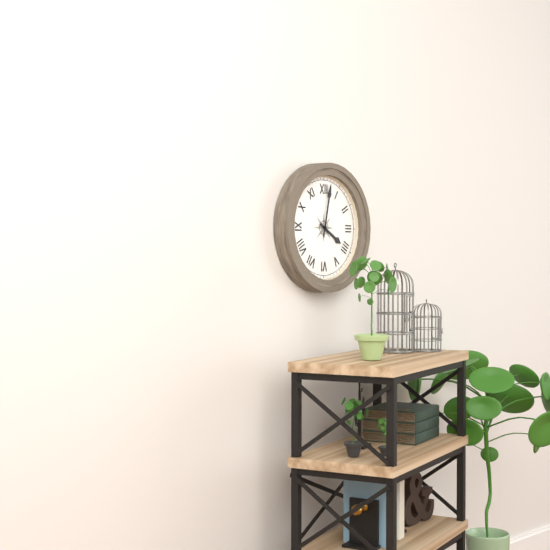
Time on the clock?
4:02
